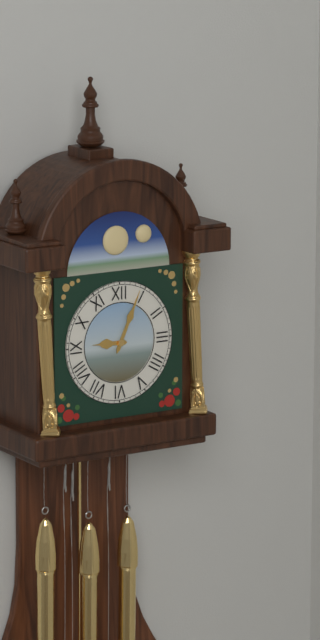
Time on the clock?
9:04
